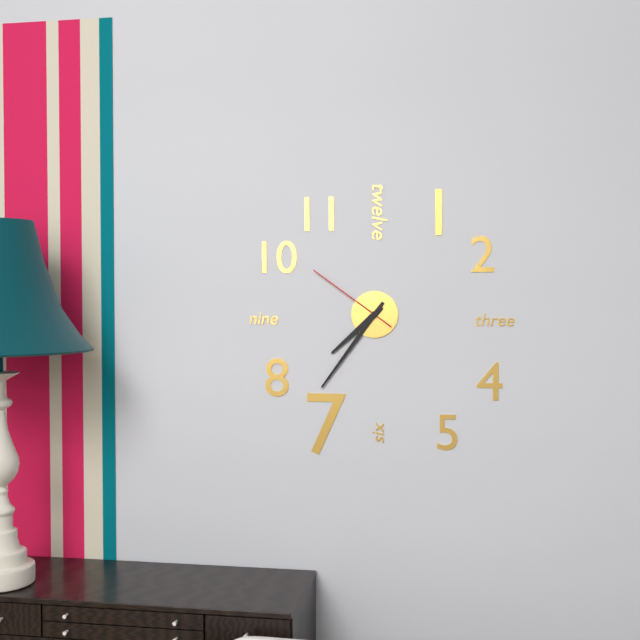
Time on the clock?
7:36:51
